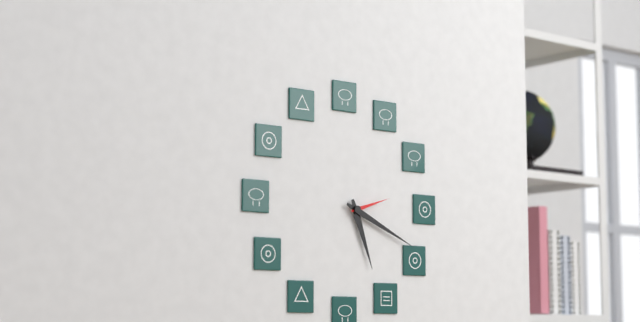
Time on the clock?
5:19
